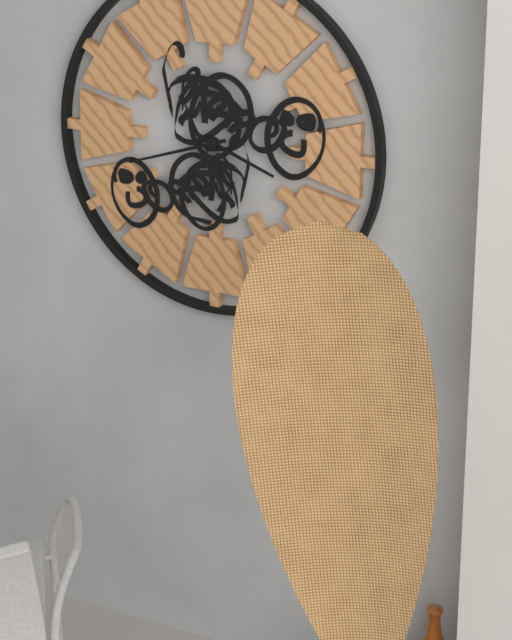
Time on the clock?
3:42
